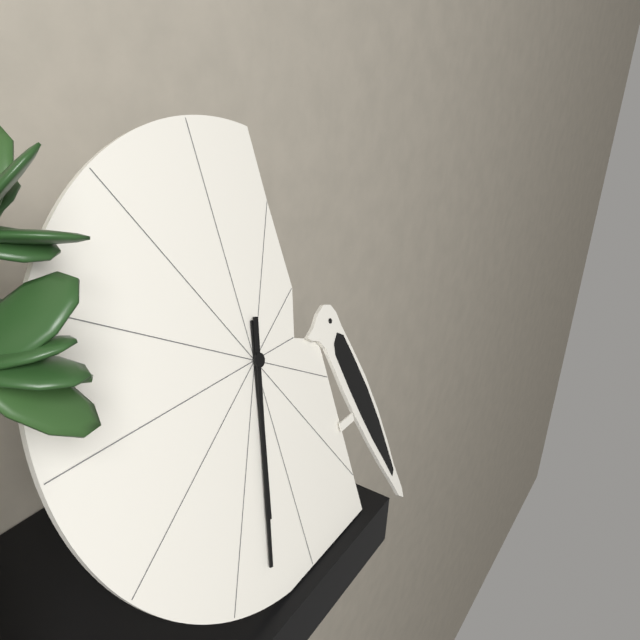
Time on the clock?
6:33
